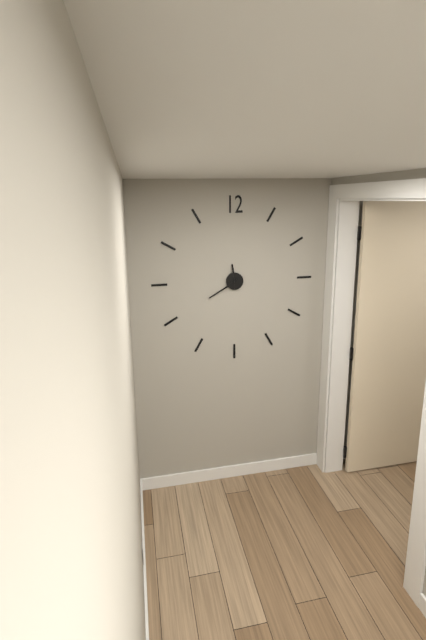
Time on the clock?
11:40
